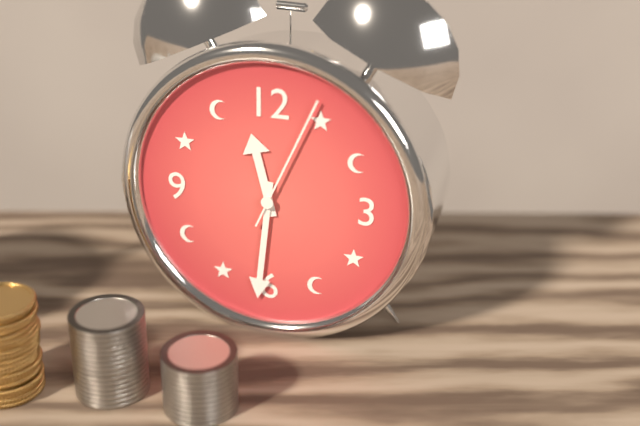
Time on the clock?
11:31:04
